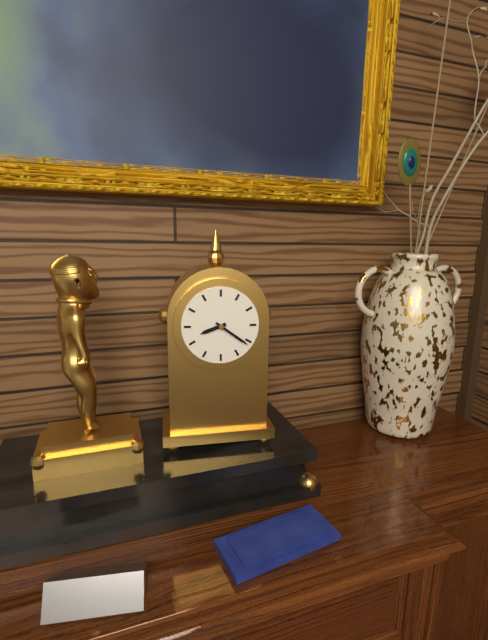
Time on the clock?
8:21
